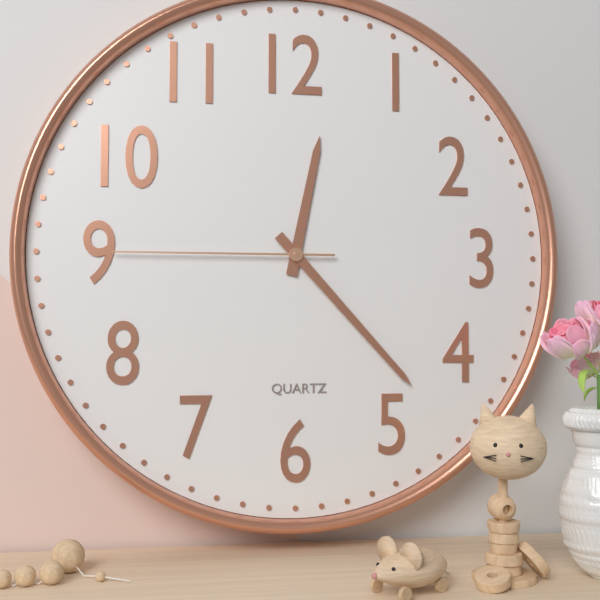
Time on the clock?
12:23:45
